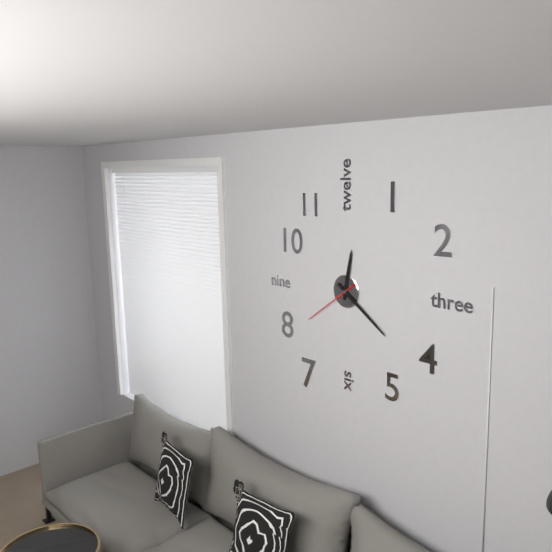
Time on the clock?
12:21:39
